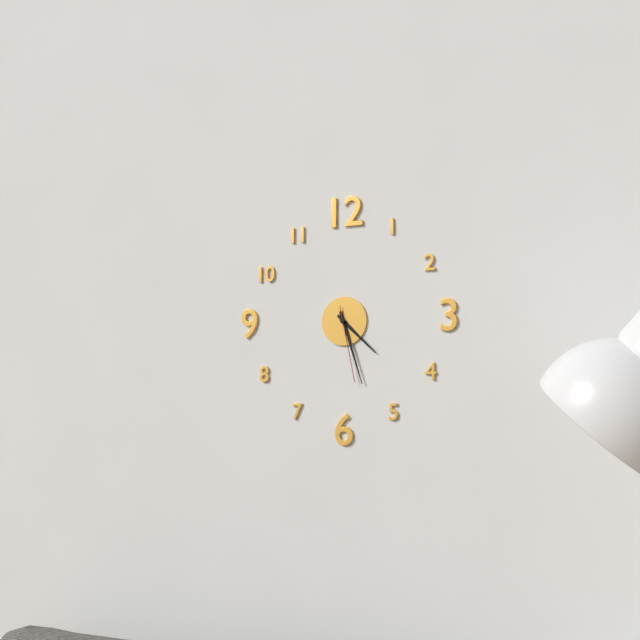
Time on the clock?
4:27:28
